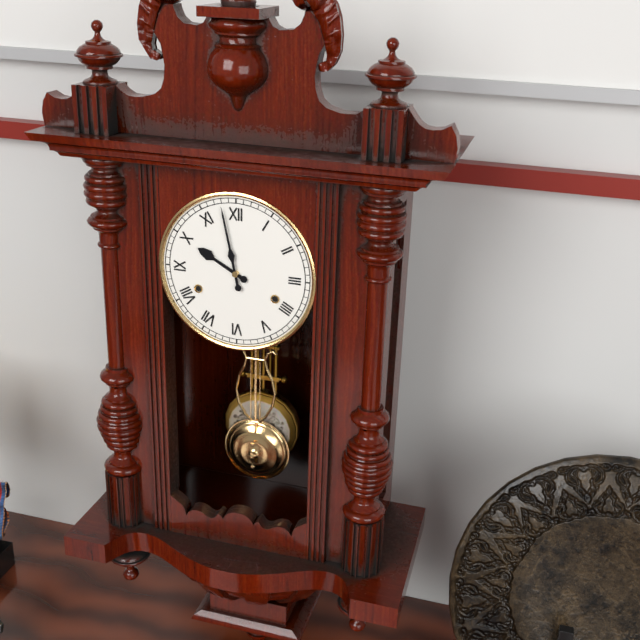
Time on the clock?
9:58
